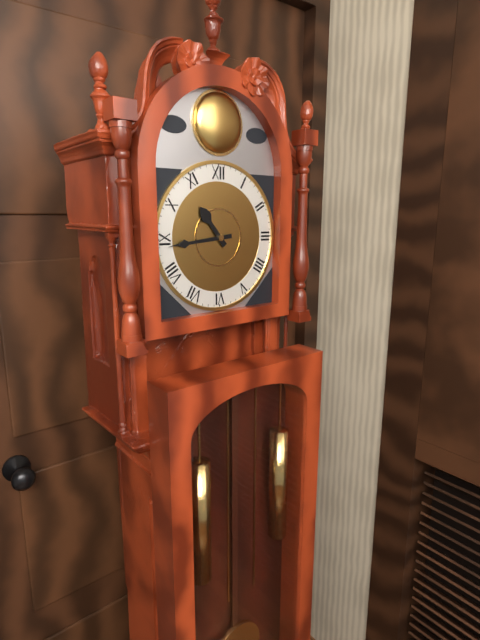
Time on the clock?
10:44
